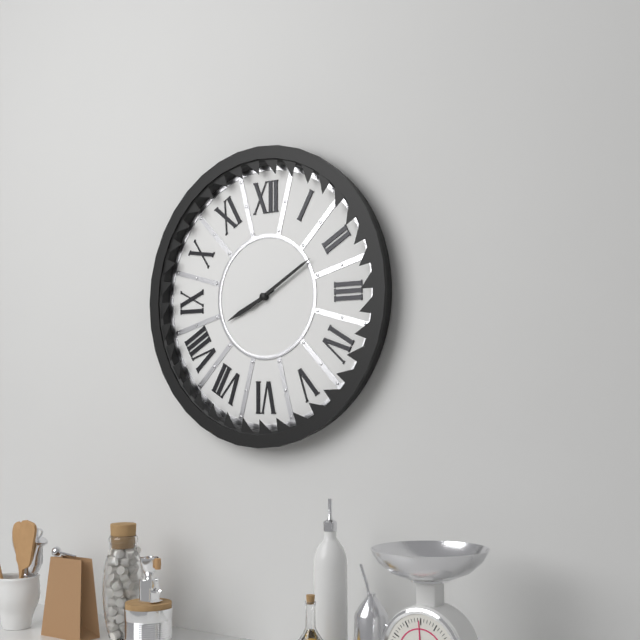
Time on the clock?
8:10
